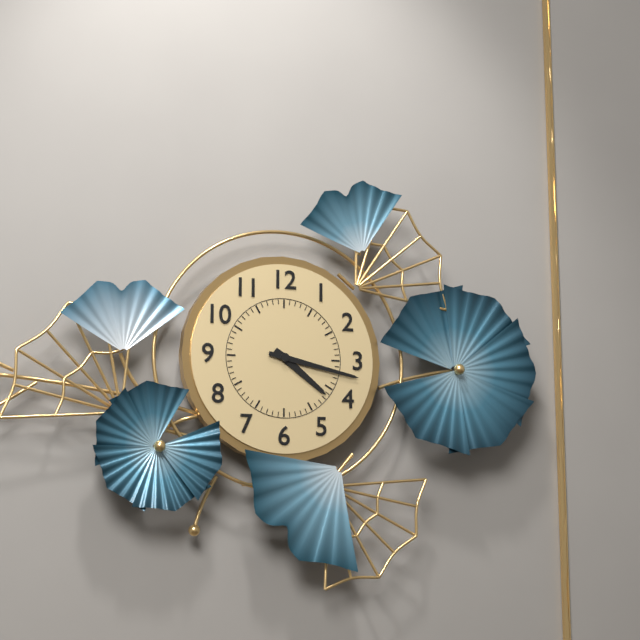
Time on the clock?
4:17
